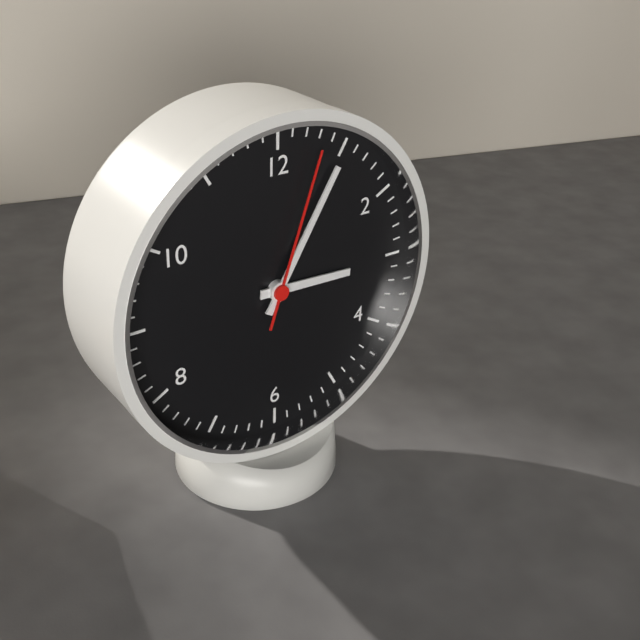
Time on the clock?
3:05:03
